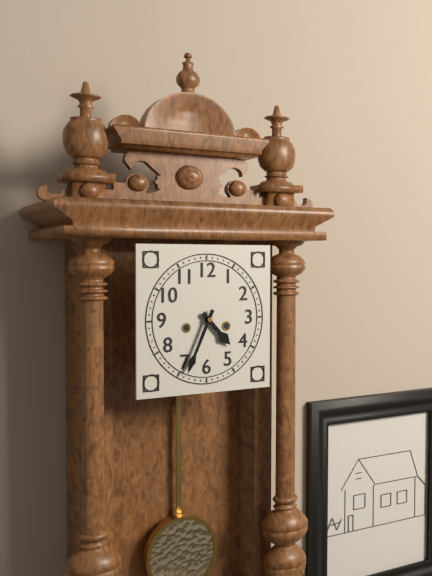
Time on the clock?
4:34
